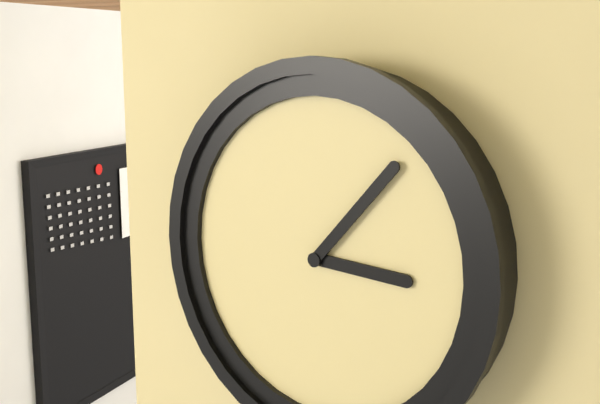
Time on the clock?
3:07
